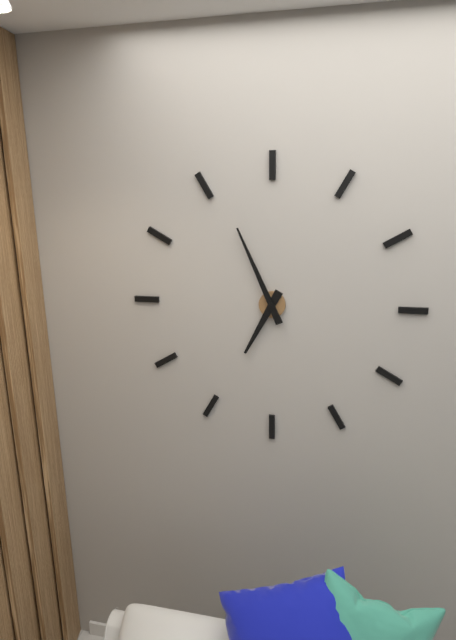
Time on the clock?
6:56
